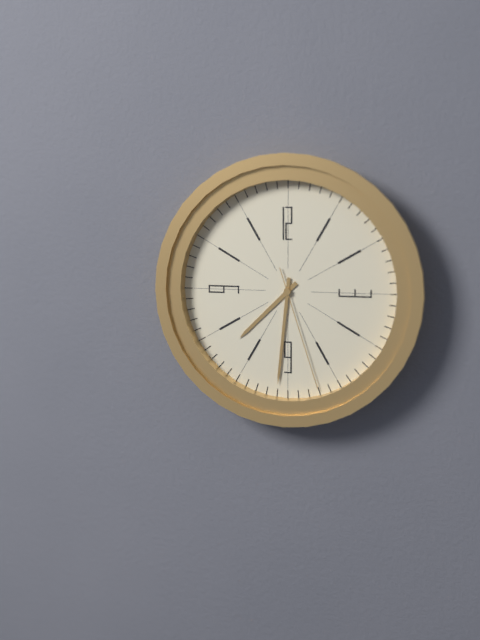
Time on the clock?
7:31:27
